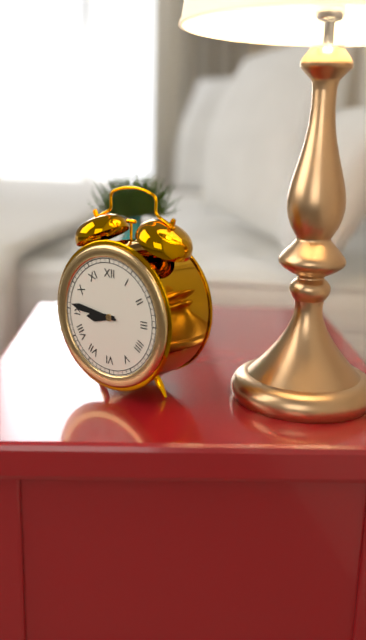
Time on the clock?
8:46
